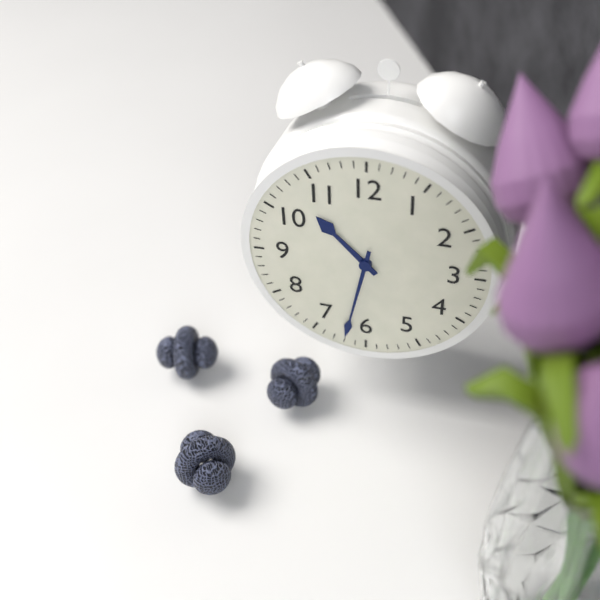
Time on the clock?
10:32
